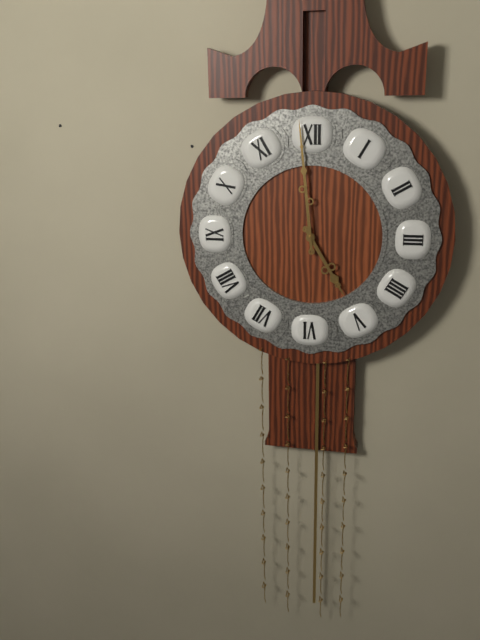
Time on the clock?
4:59
